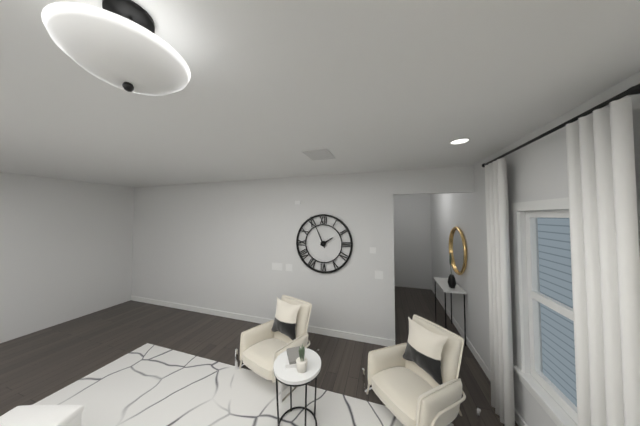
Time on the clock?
1:56
